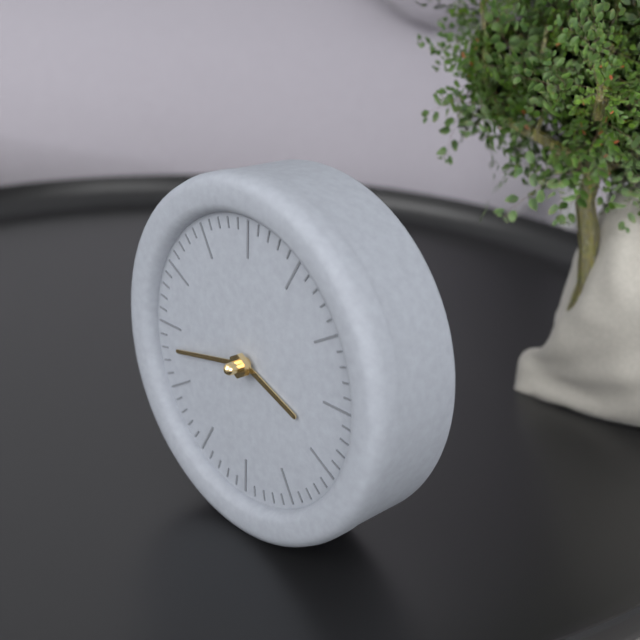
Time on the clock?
3:43
